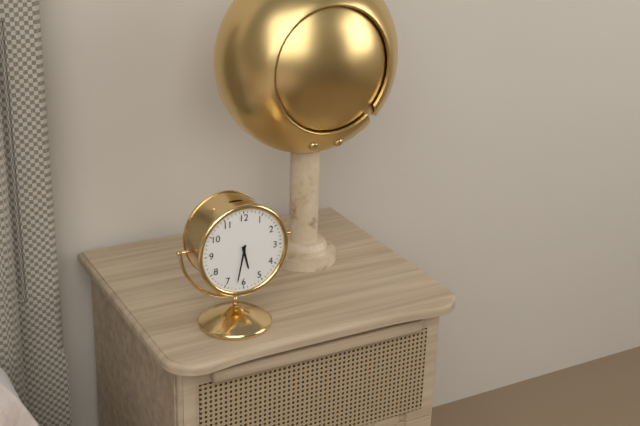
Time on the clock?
5:32
